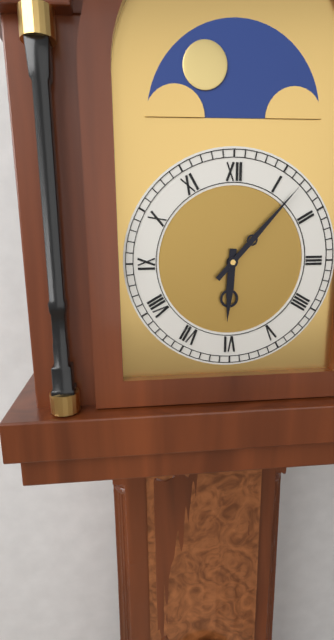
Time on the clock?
6:07
